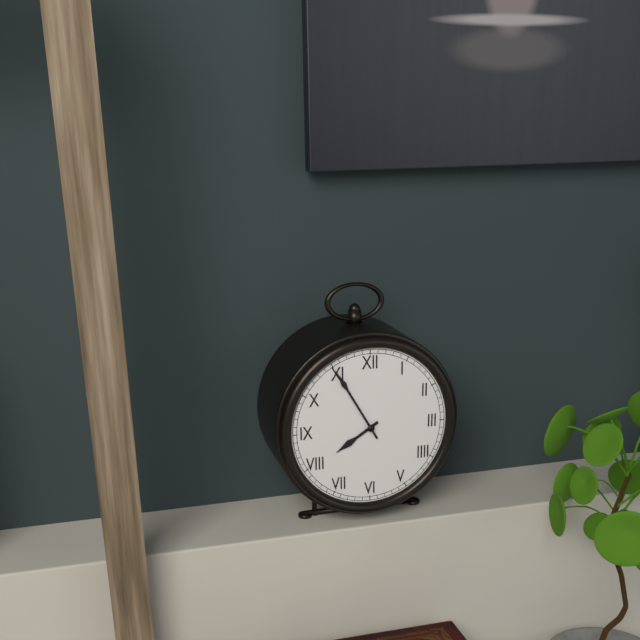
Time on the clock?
7:55
